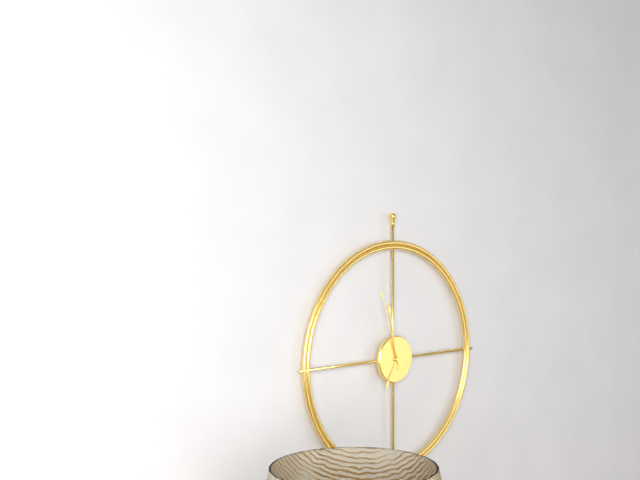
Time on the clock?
6:58:57
